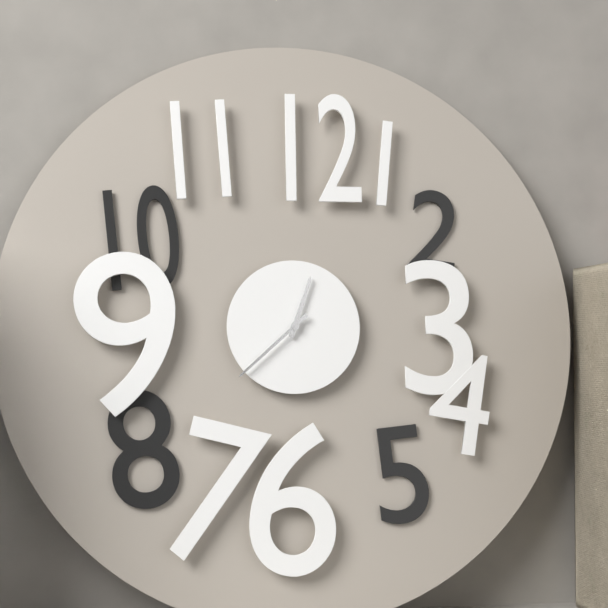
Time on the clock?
12:38
